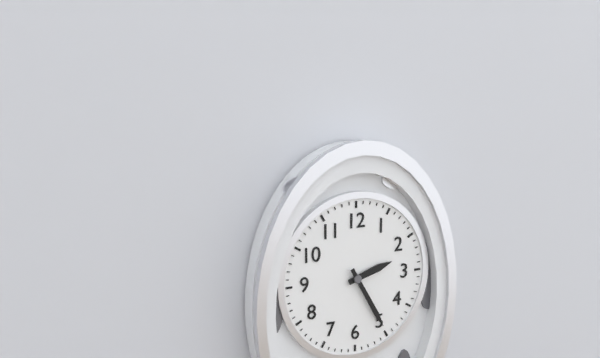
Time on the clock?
2:25
